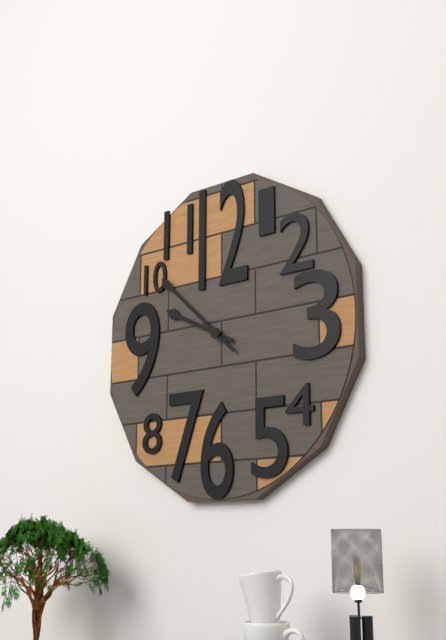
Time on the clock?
9:52
